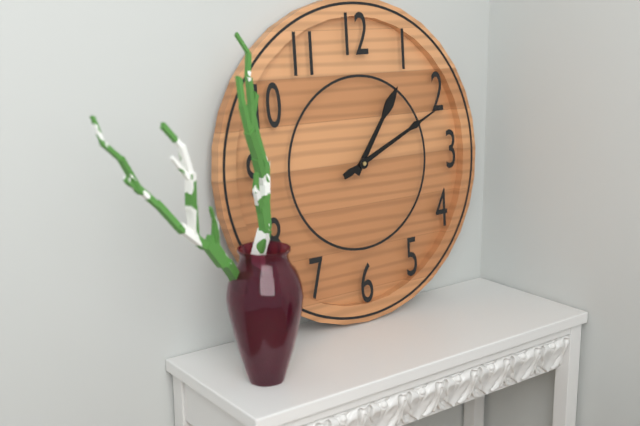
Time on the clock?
1:11
